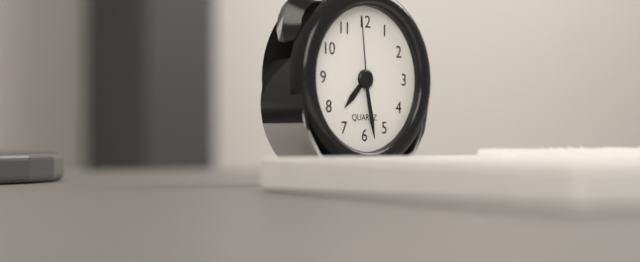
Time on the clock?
7:28:59
